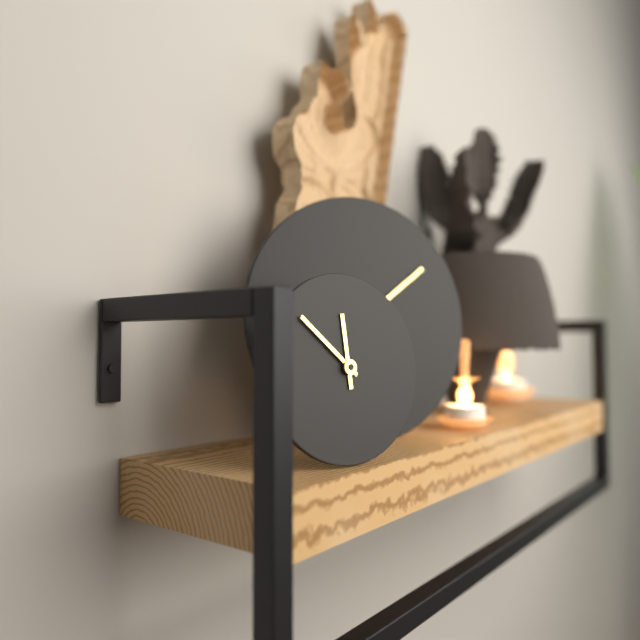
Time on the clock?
11:52
